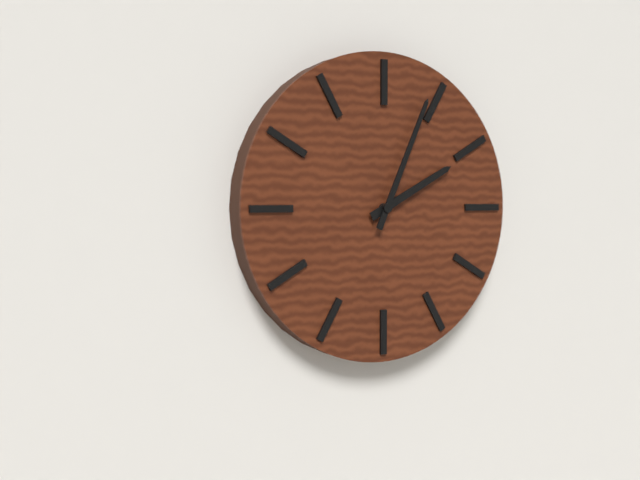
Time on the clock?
2:04
